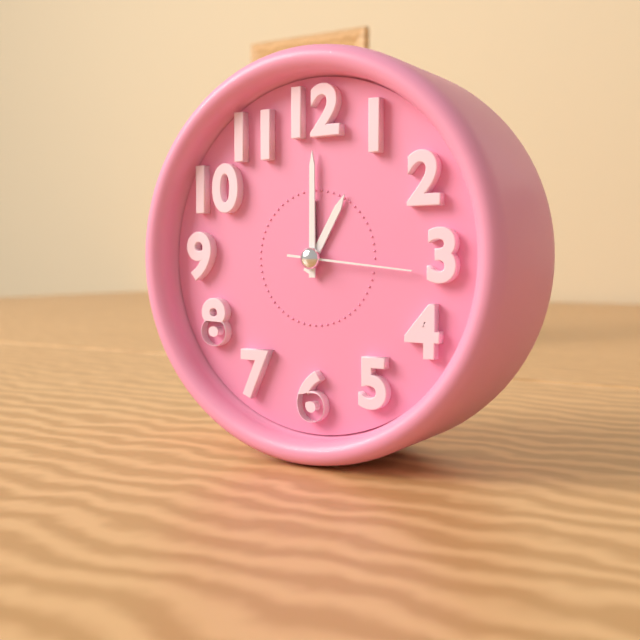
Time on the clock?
1:00:16
